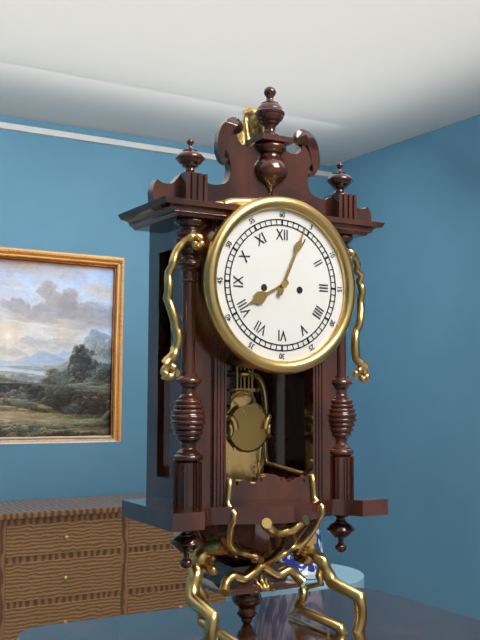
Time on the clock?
8:04
